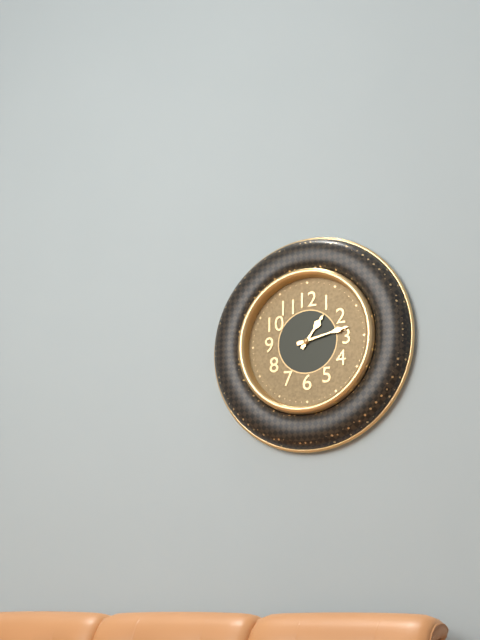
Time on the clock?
1:13
